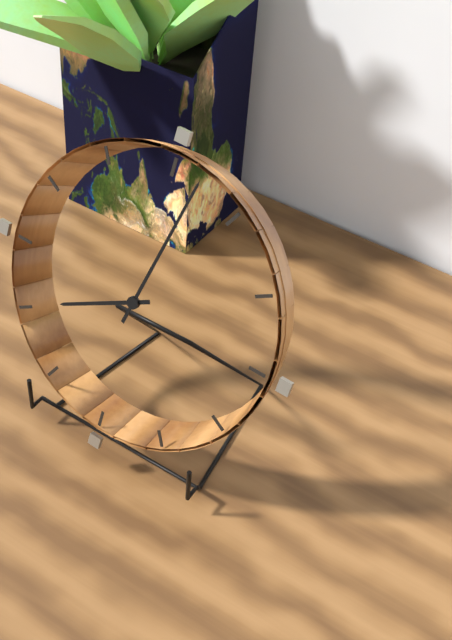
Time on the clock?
8:02
